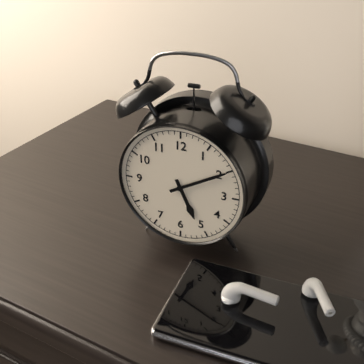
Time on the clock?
5:10
